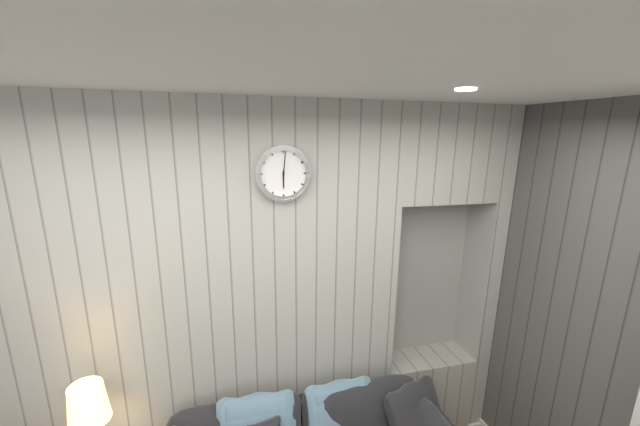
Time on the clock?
6:01
